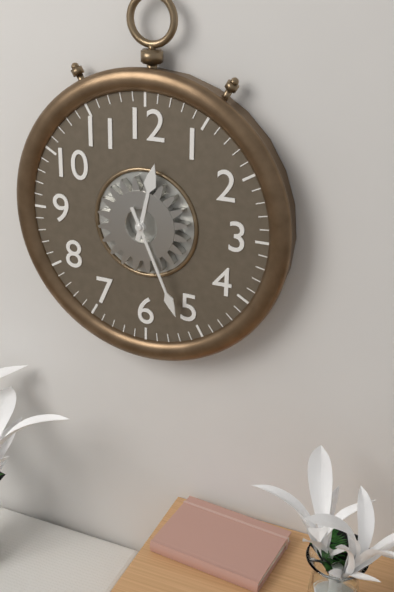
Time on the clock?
12:26
